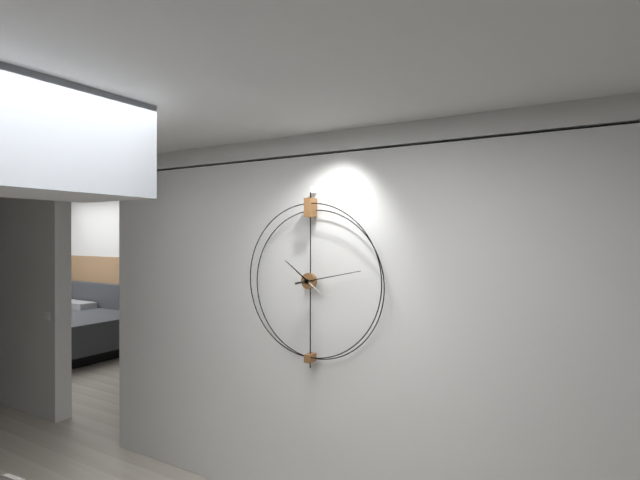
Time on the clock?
10:13
